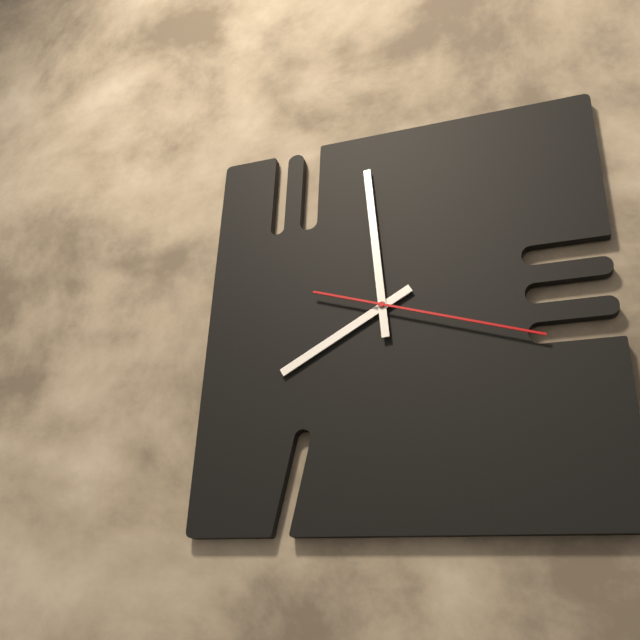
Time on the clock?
7:59:18
